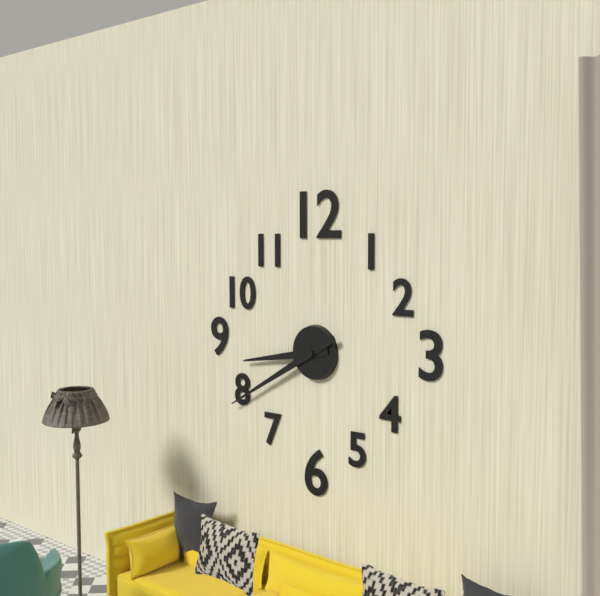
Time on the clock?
8:40
